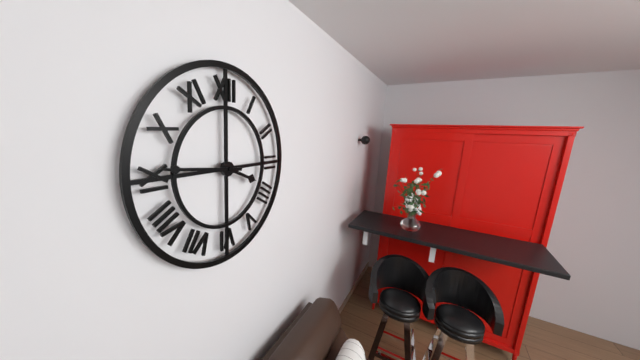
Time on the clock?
3:46
